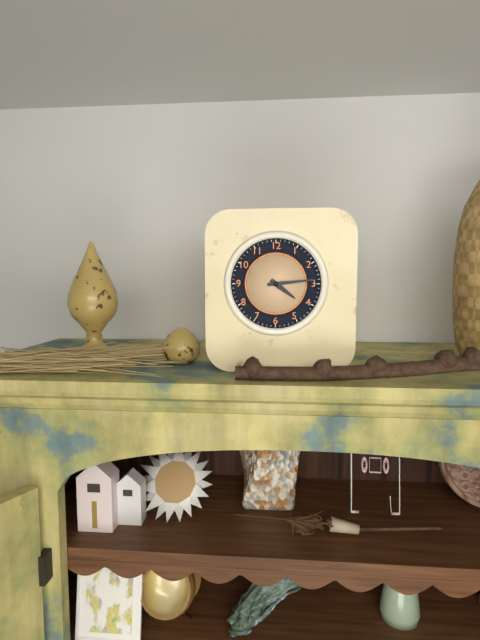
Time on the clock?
4:14
